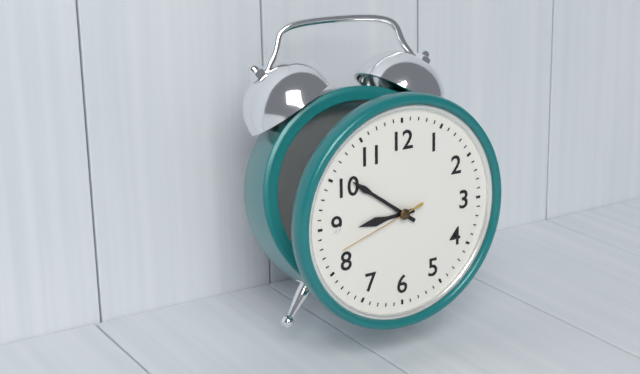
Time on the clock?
8:51:42
